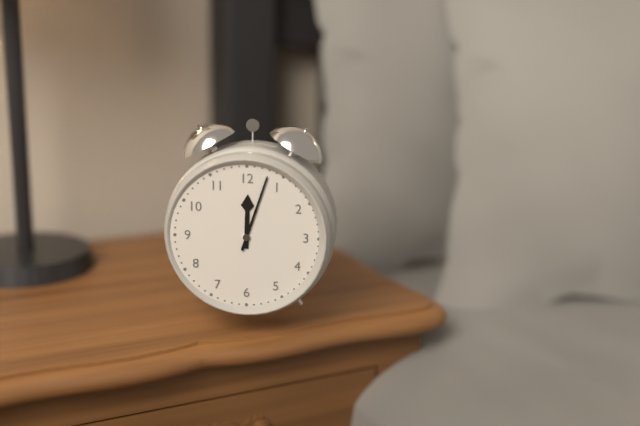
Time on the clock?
12:03
